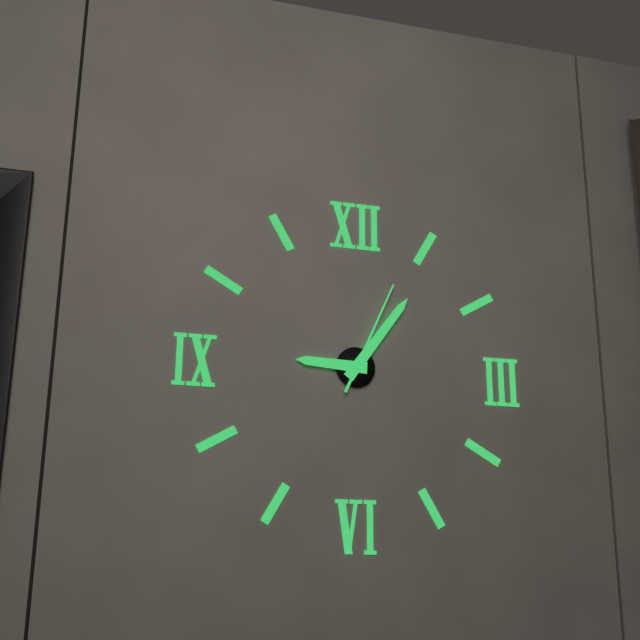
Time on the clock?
9:06:04
